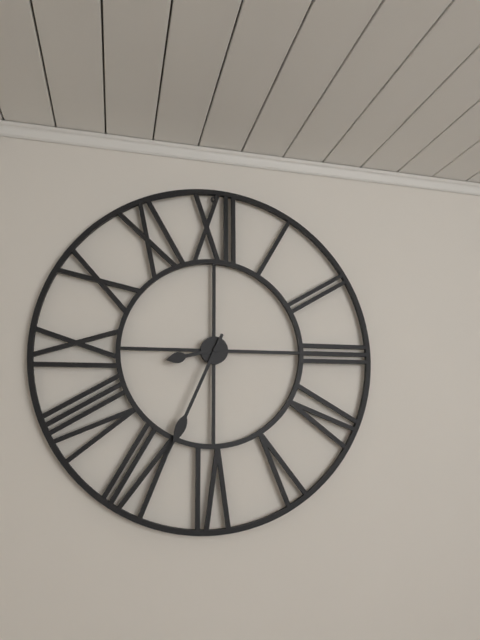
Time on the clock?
8:34
